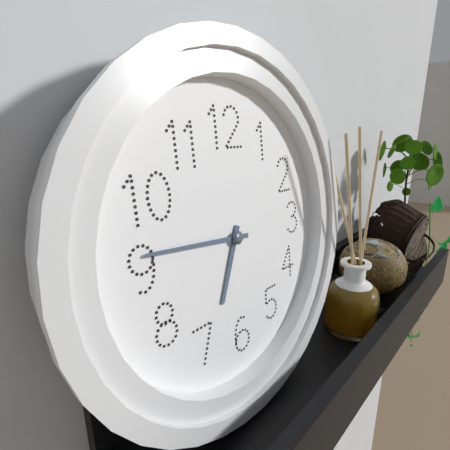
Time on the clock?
6:46
